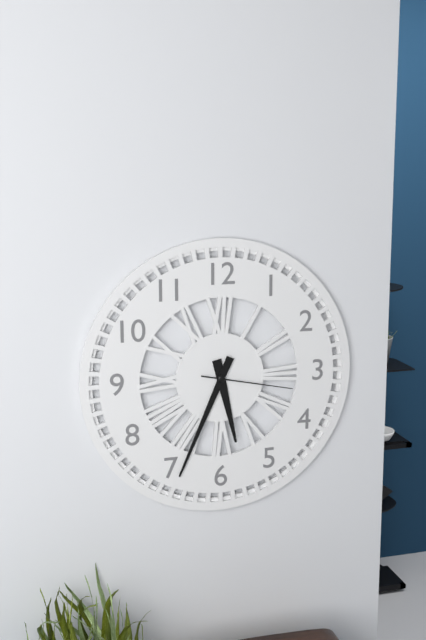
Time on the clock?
5:34:17
